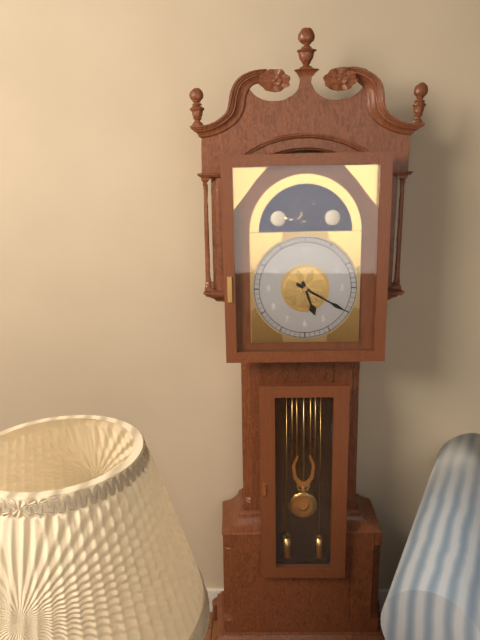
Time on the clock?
5:20
